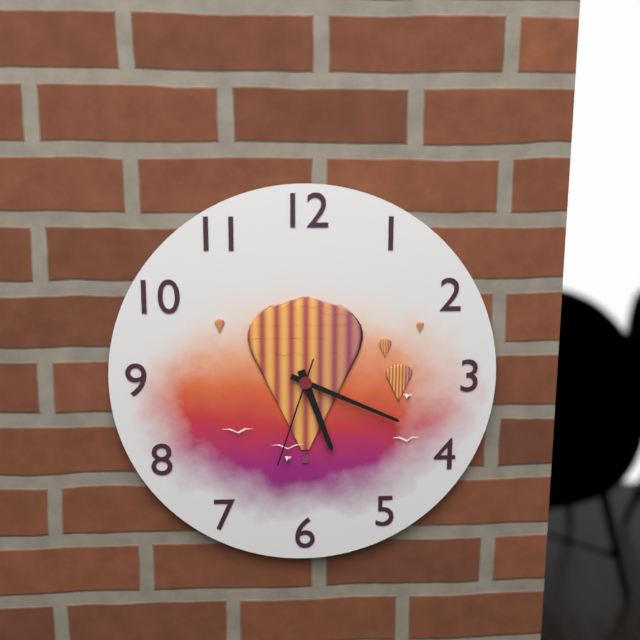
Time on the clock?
5:19:33
